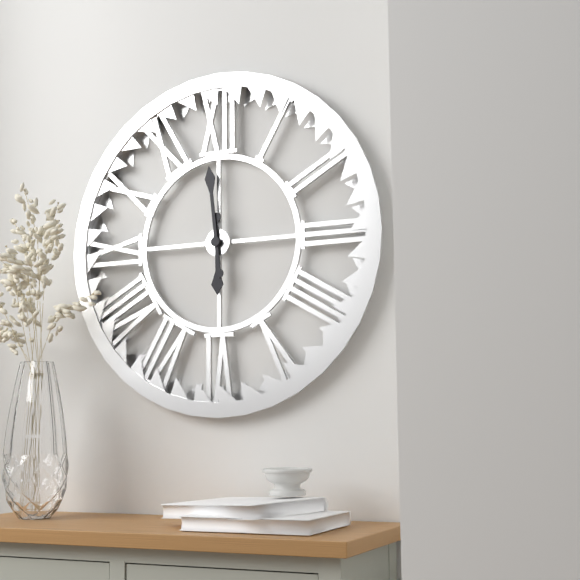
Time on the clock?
5:59
